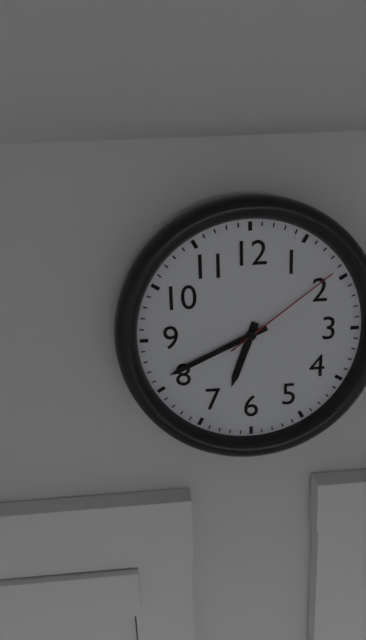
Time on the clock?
6:41:09
